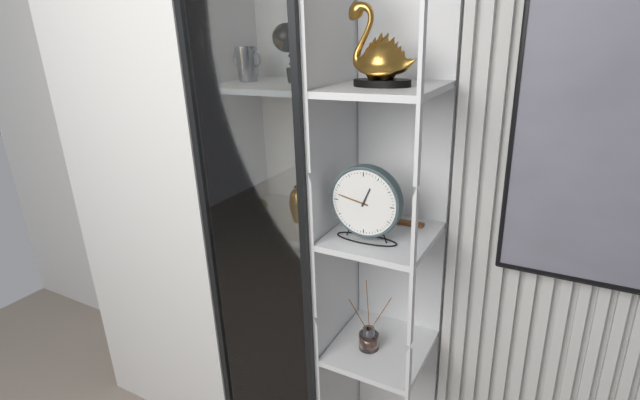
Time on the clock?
12:47
